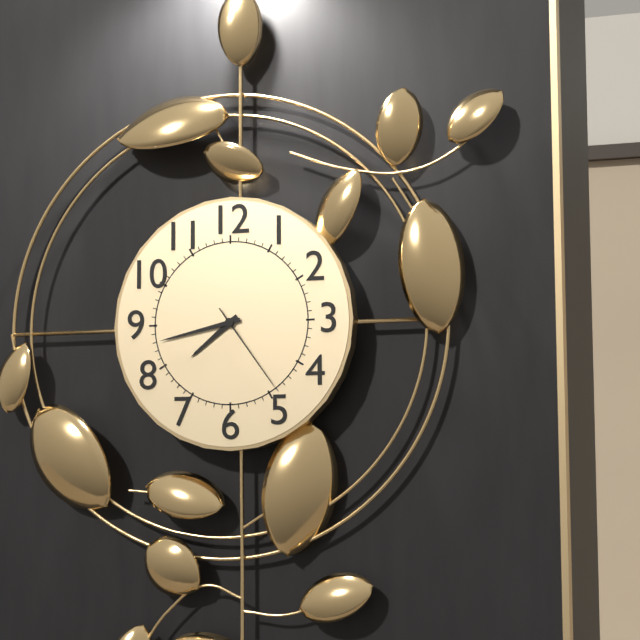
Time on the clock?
7:43:24
